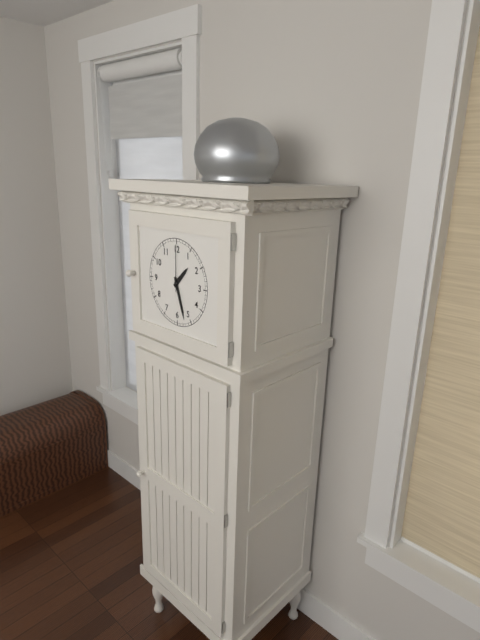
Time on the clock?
1:27
